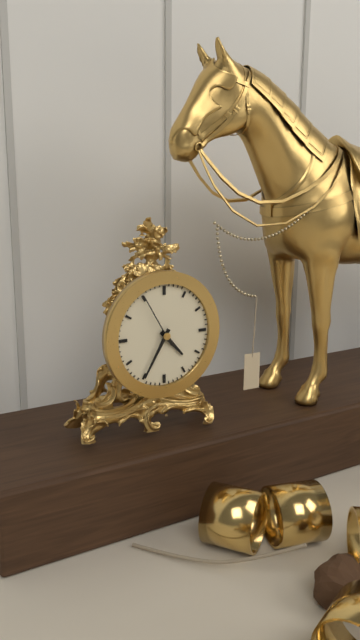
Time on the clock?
4:35:55
